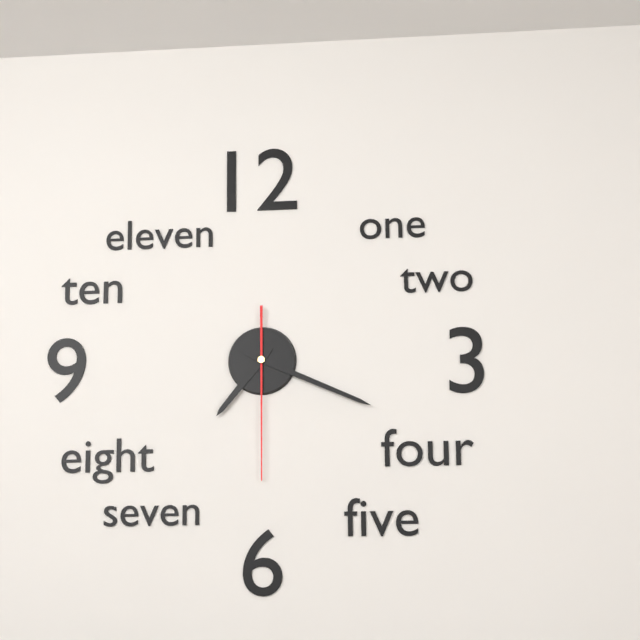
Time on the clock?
7:19:30
